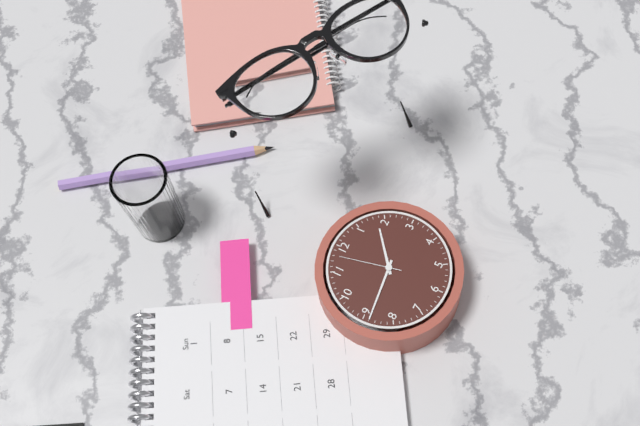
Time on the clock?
1:44:58
